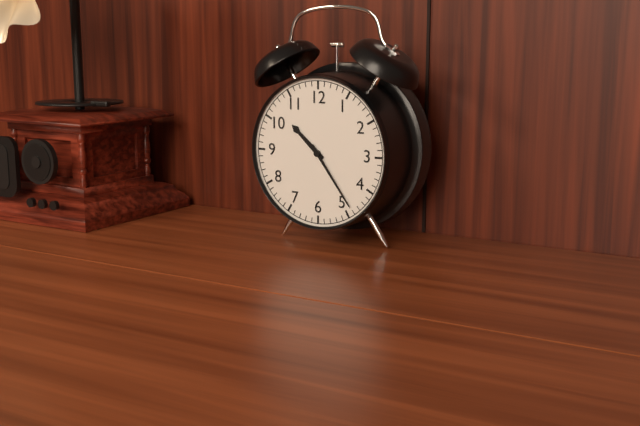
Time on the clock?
10:24
